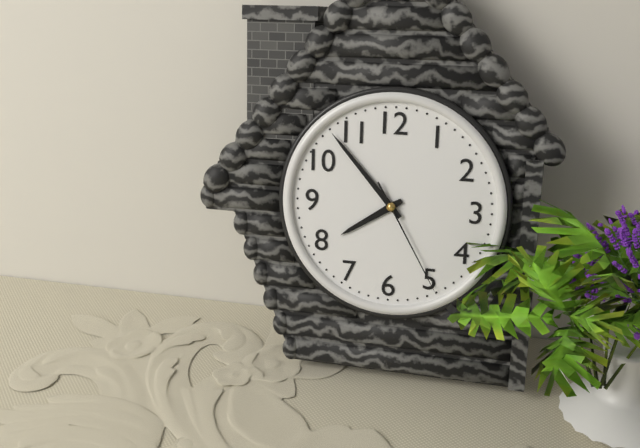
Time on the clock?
7:53:25
